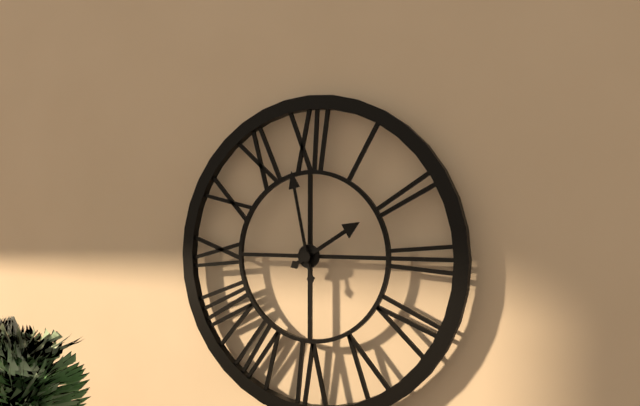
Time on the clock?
1:58
